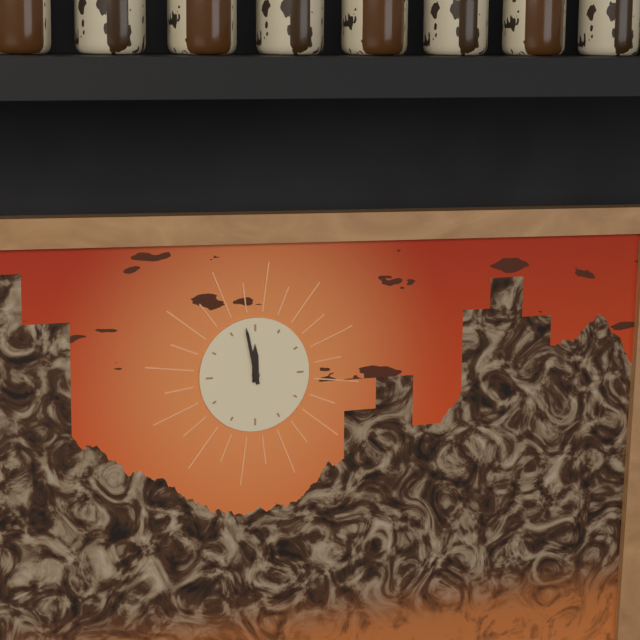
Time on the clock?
11:58
